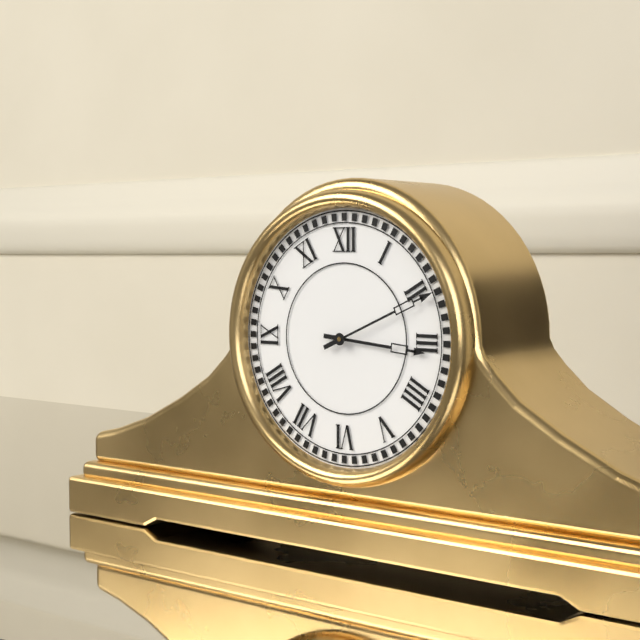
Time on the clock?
3:11
